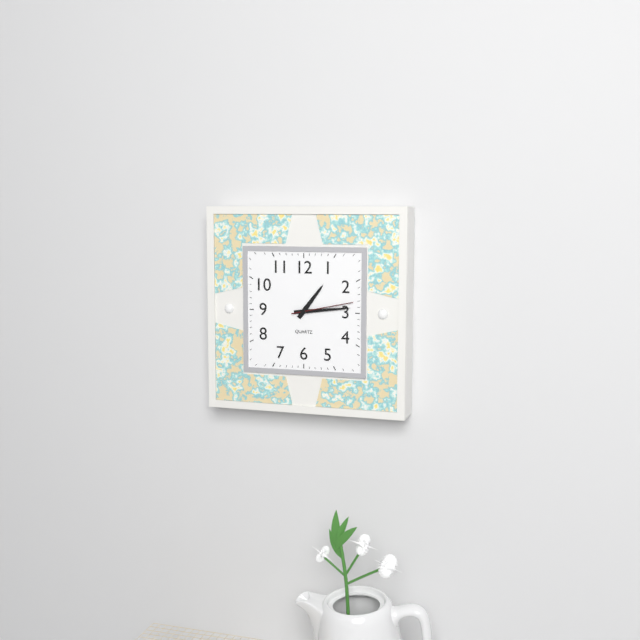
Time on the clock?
1:14:13
